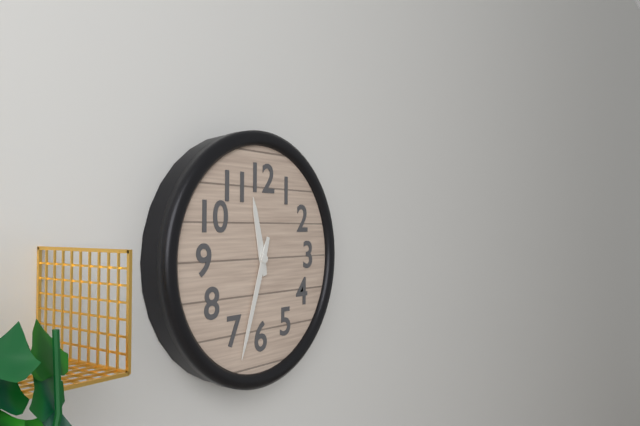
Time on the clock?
11:33
